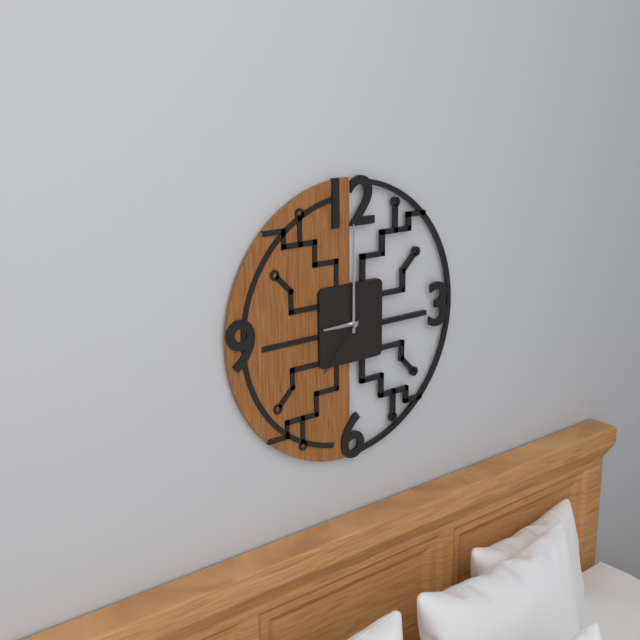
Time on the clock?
9:00:37
